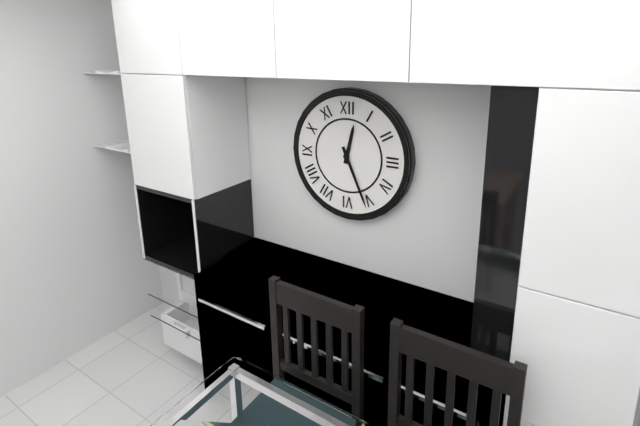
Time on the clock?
12:26
